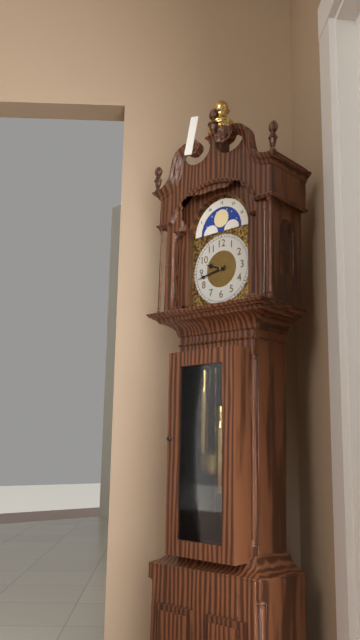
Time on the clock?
9:43
